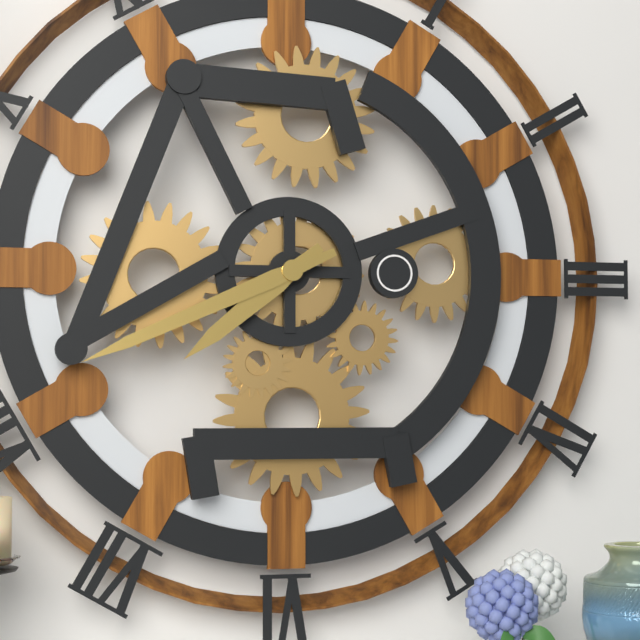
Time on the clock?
7:41
